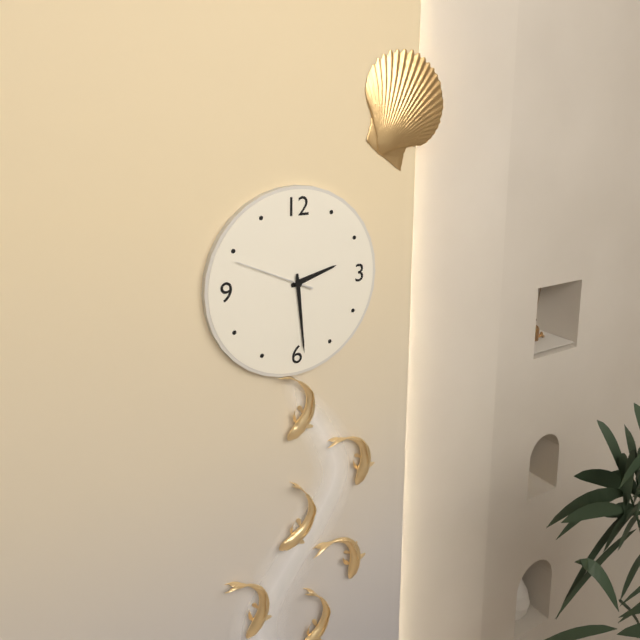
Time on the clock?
2:29:49
